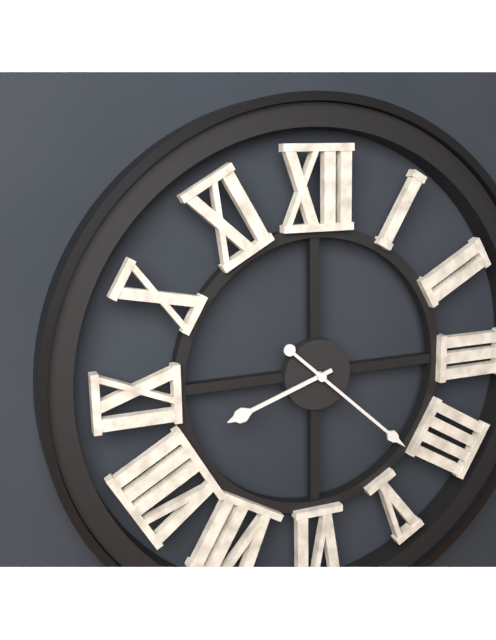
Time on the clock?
8:22
